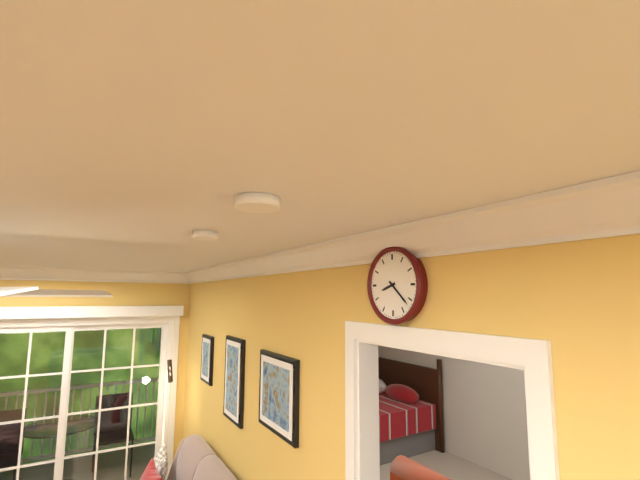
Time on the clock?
8:22
